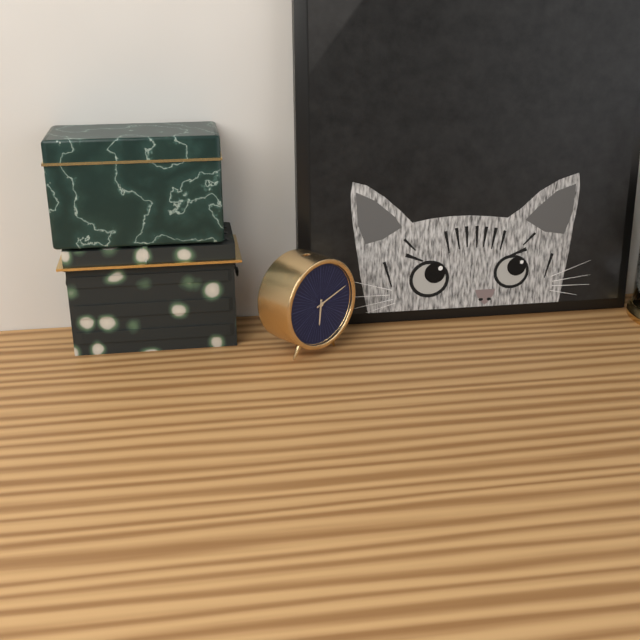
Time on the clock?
6:12
